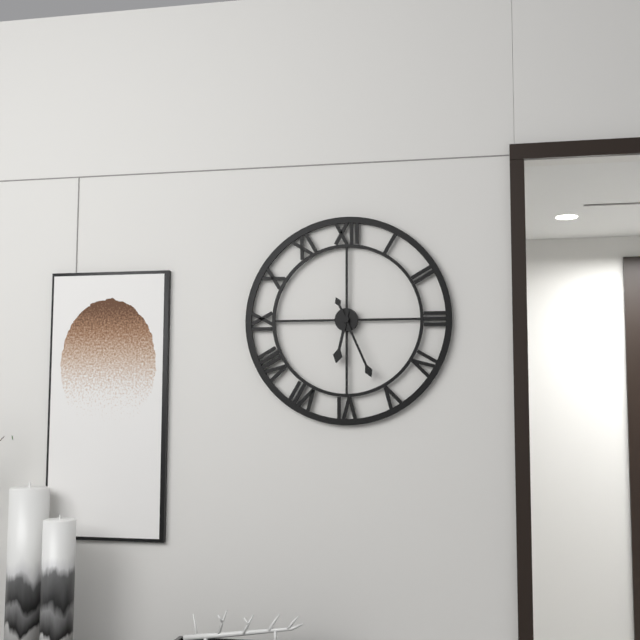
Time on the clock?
6:26
